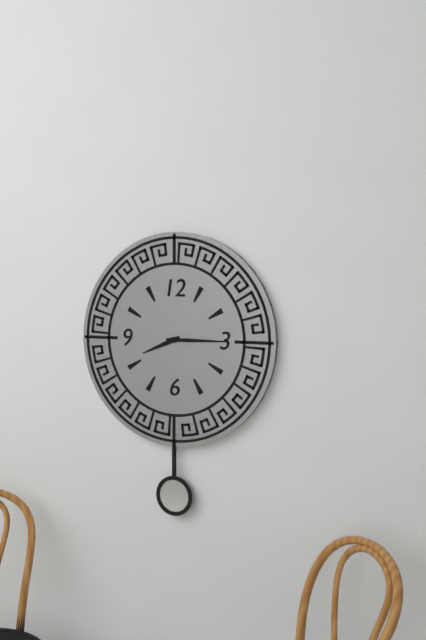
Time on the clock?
8:15
